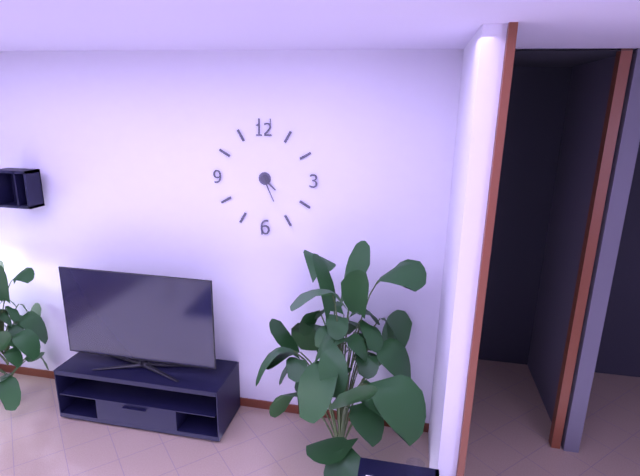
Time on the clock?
4:26
